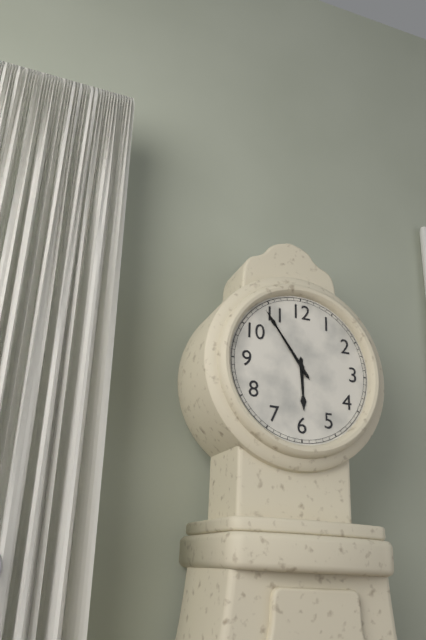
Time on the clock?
5:54
